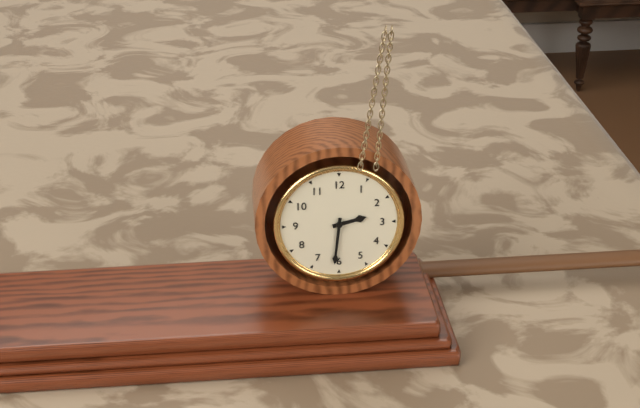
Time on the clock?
2:31
